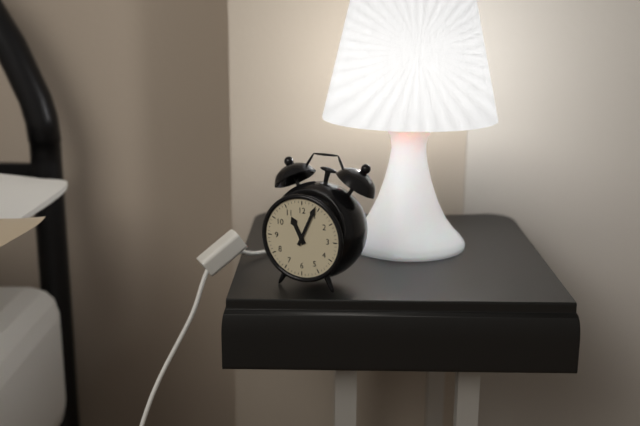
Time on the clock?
11:04
